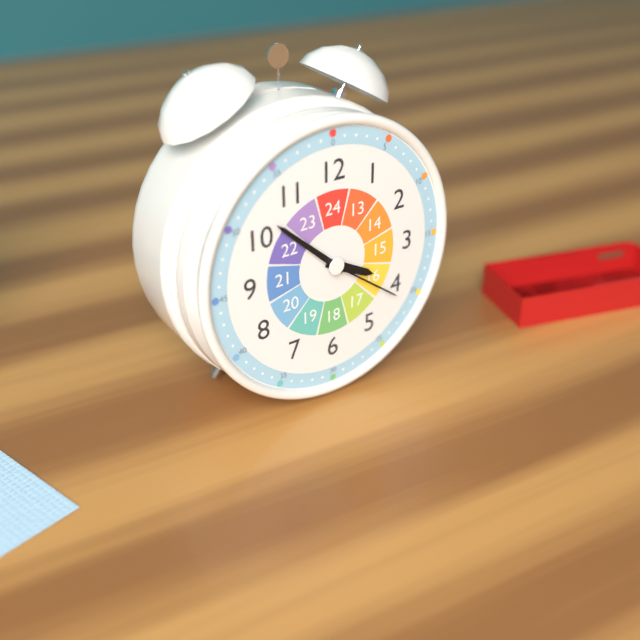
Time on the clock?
3:52:21
